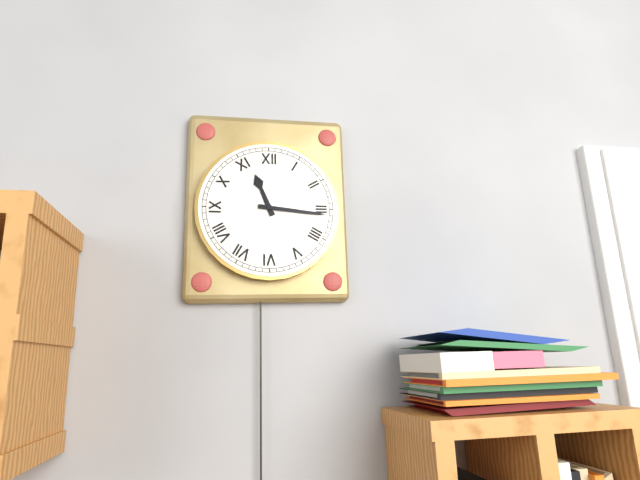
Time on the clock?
11:16
